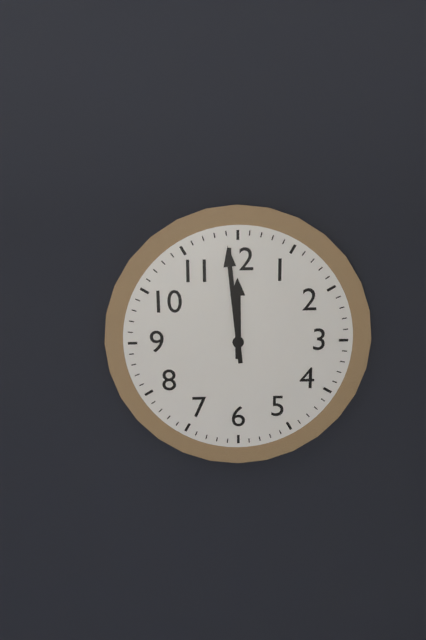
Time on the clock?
11:59
